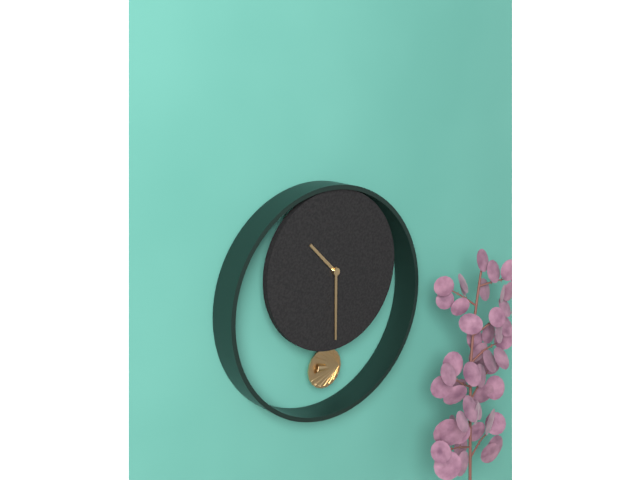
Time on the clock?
10:30
